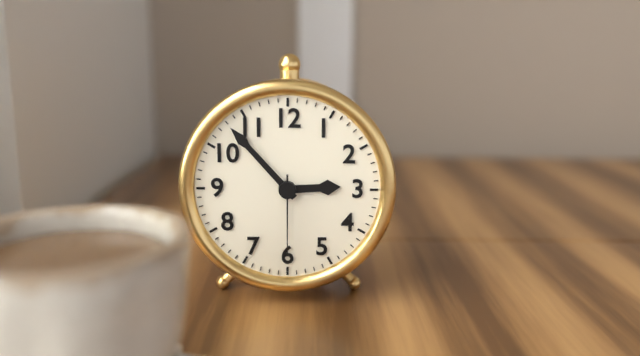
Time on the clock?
2:53:30
